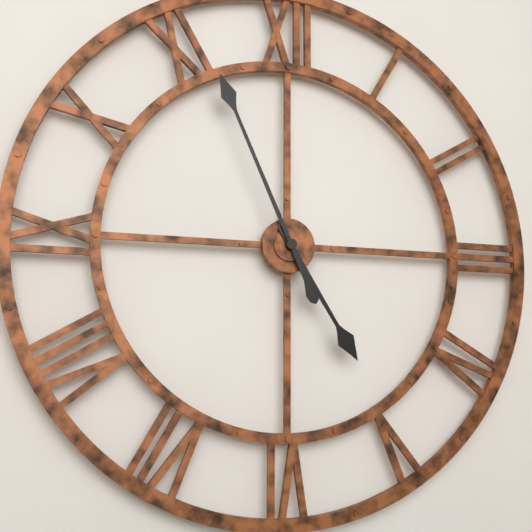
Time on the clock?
4:56
